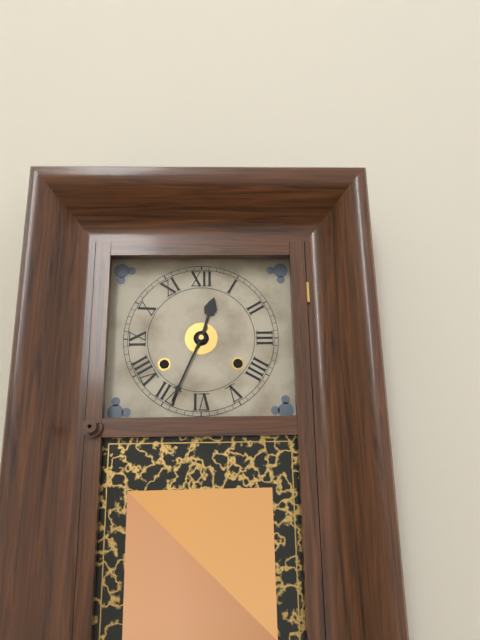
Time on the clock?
12:34
